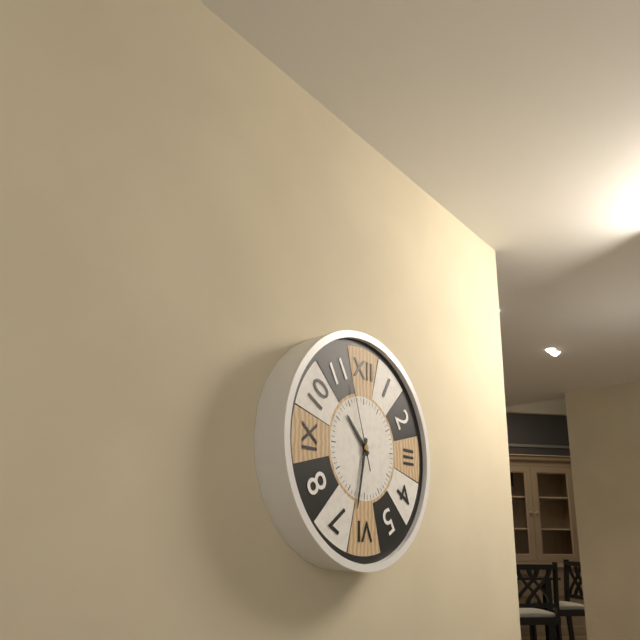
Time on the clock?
10:32:57
